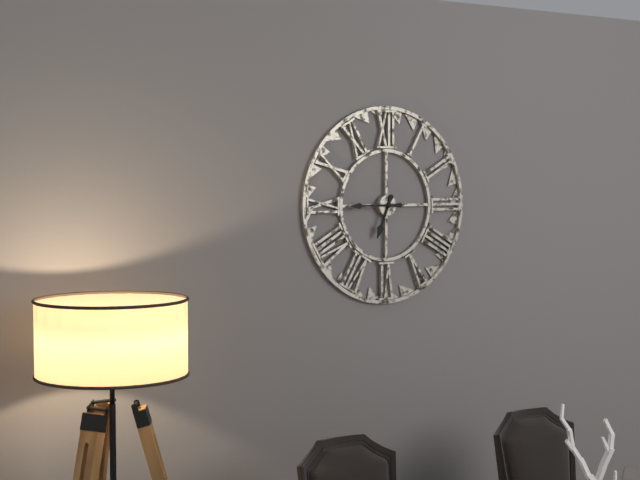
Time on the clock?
6:45
